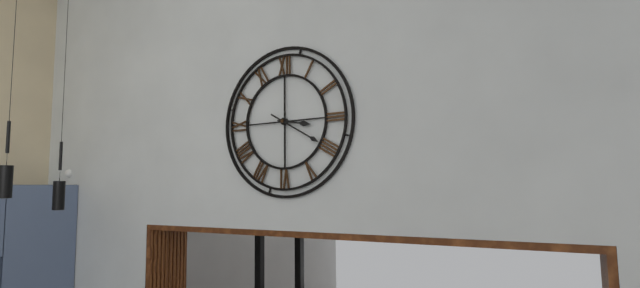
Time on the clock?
3:20
